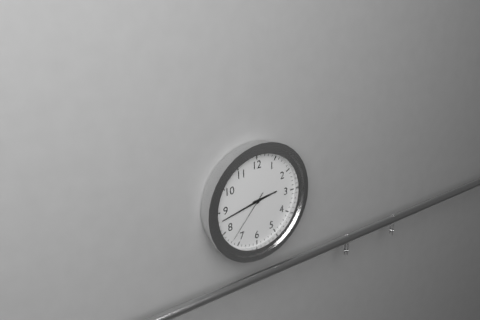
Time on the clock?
2:43:37
